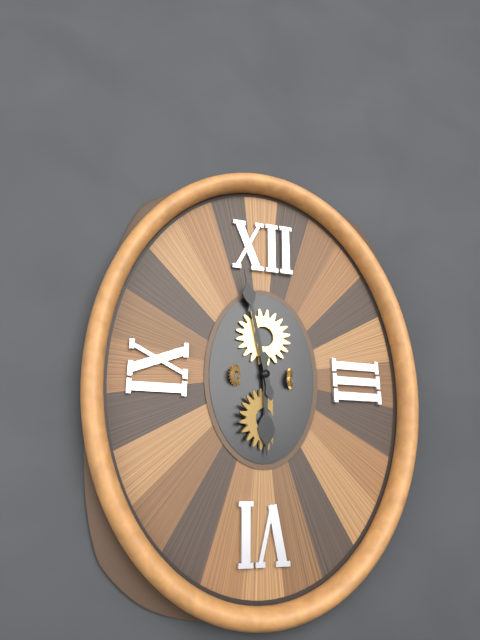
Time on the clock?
5:58
